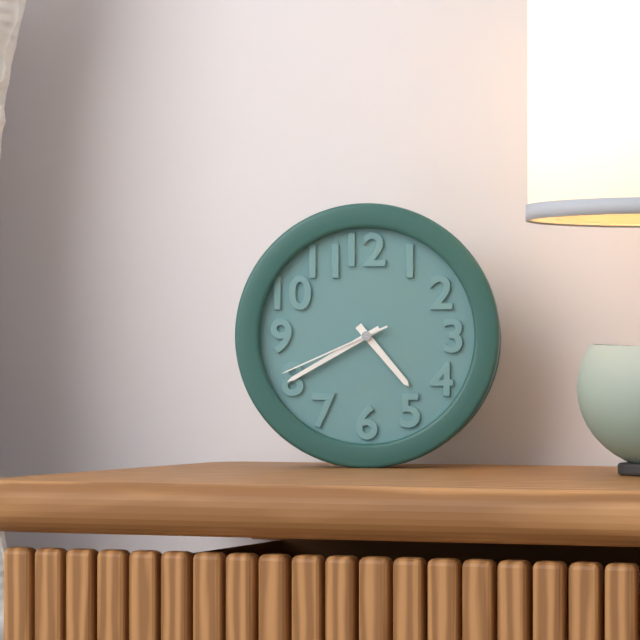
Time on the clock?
4:40:41
